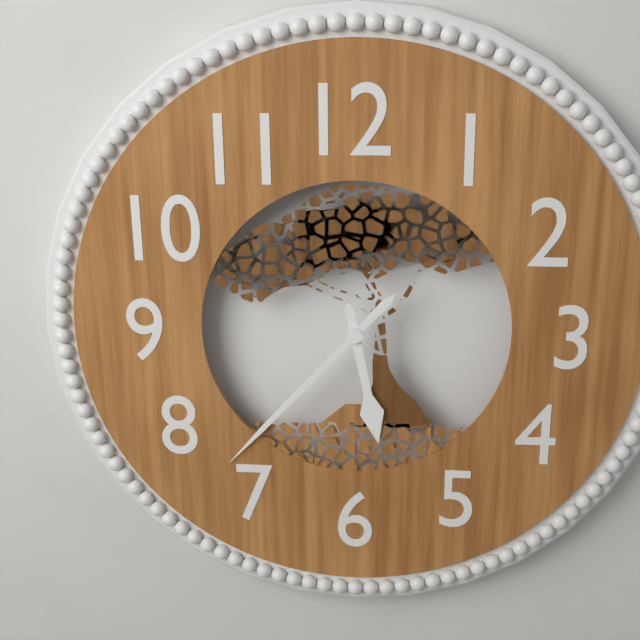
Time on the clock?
5:37
